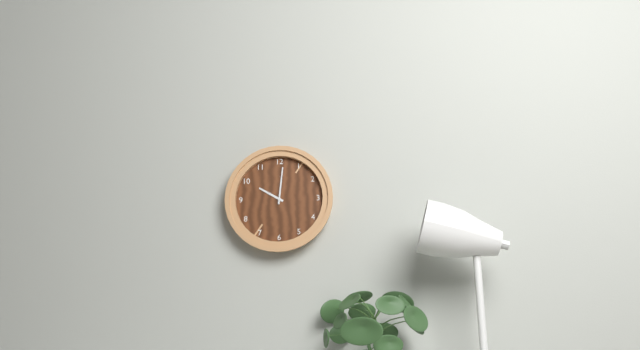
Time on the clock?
10:01
